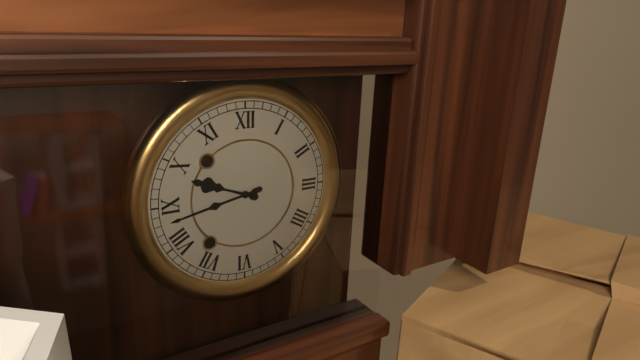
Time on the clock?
9:43
